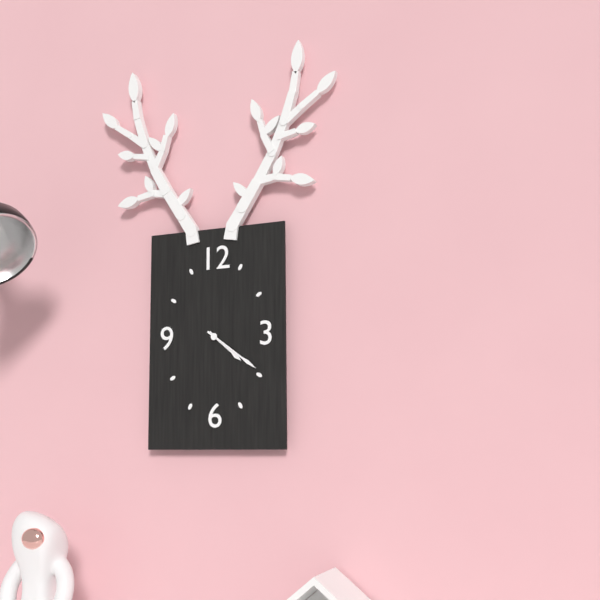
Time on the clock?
4:21
